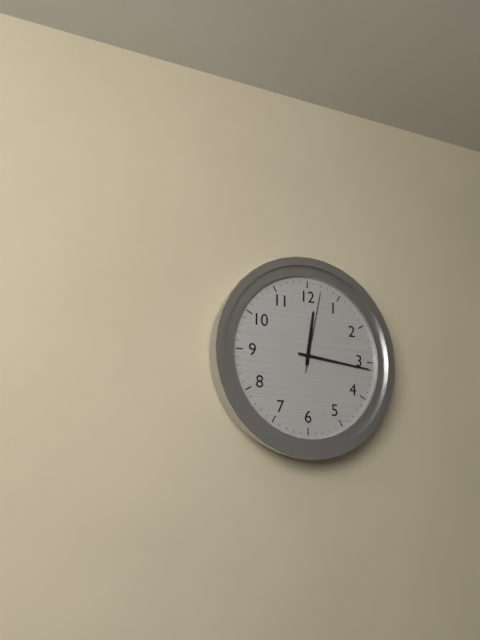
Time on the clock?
12:16:02
